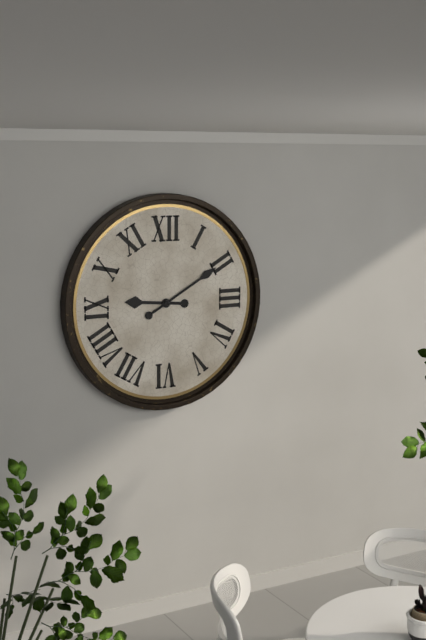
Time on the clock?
9:10
